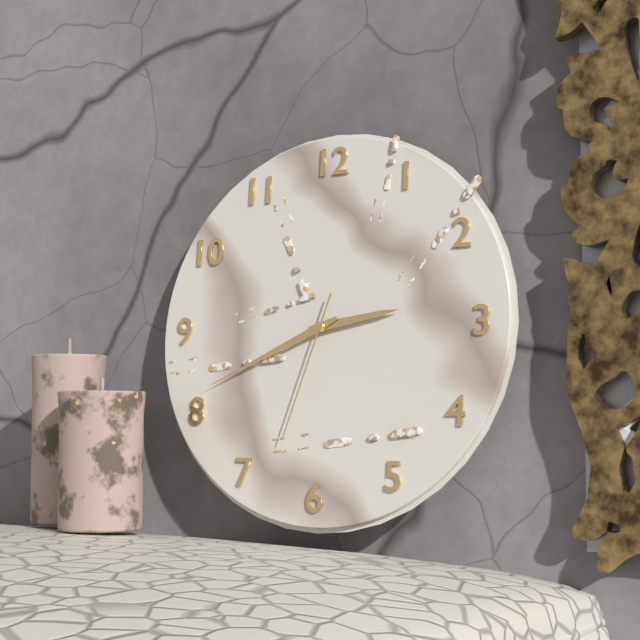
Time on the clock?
2:41:33
